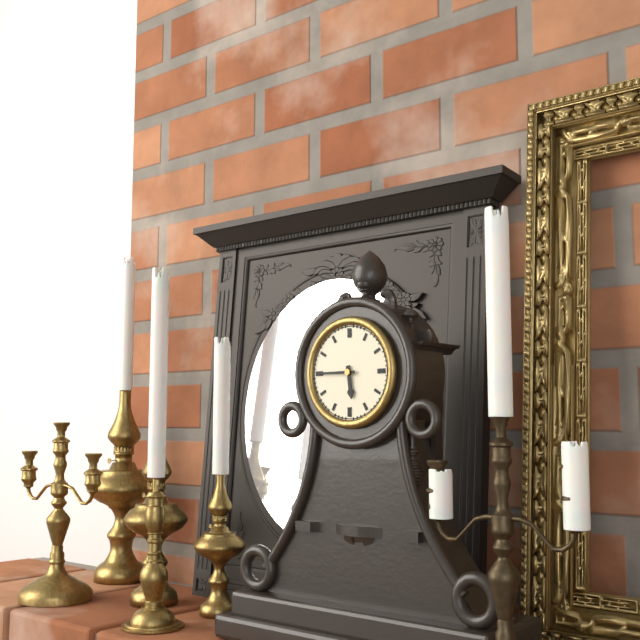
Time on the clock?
5:45
